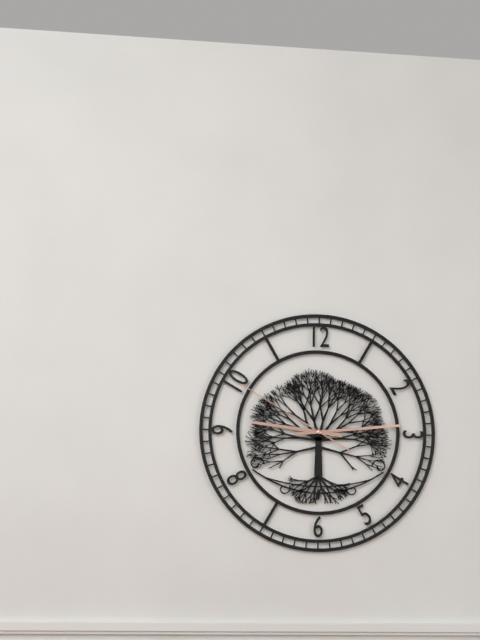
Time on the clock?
9:14:50
